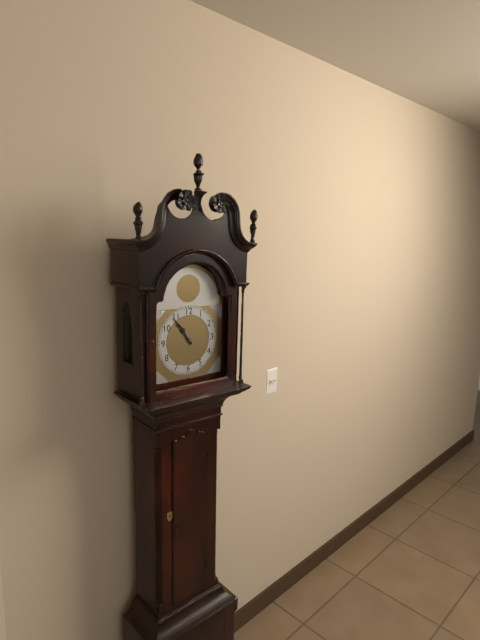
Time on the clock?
10:54
